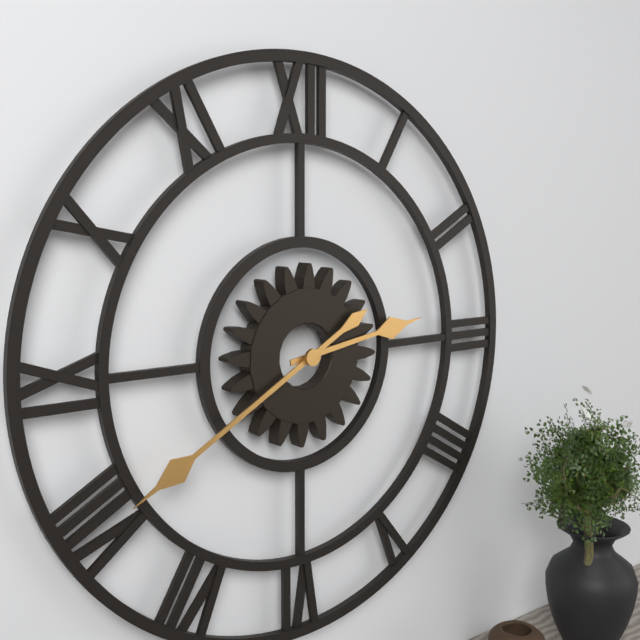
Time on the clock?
2:40
